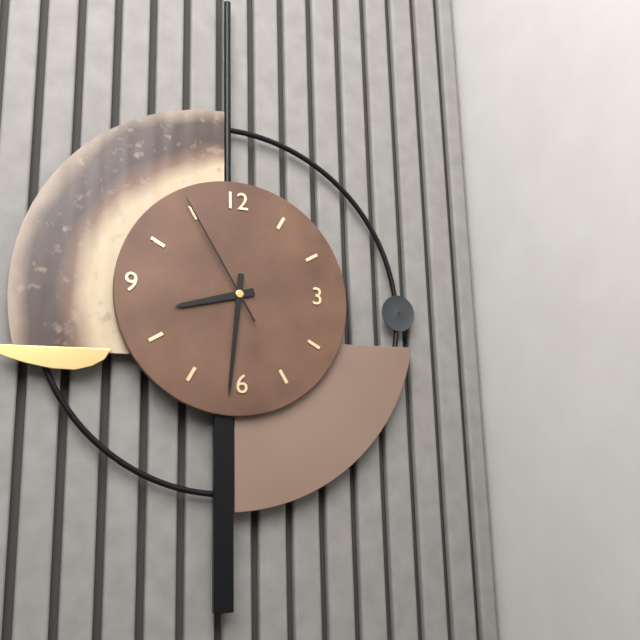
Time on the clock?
8:31:55
